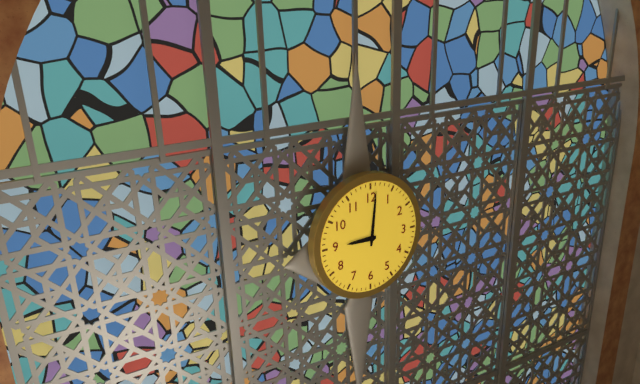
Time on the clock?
9:01
